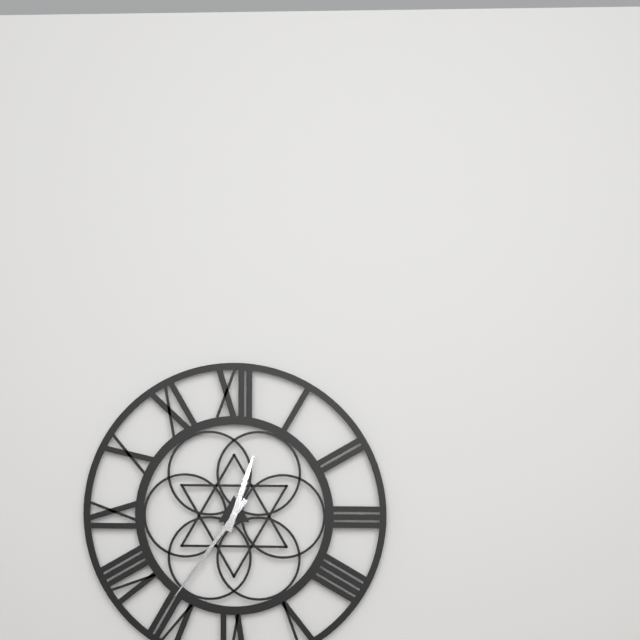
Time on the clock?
12:36
